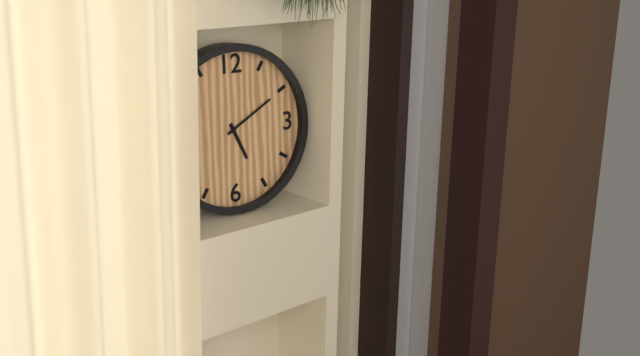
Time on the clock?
5:10
